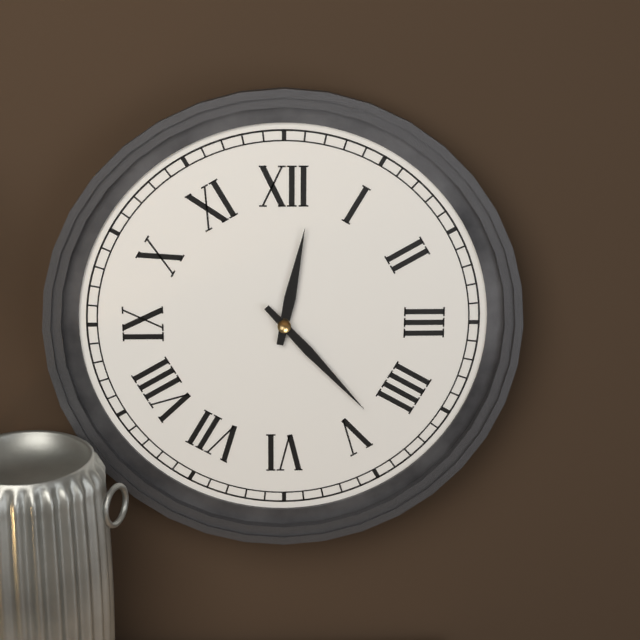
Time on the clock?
12:23
